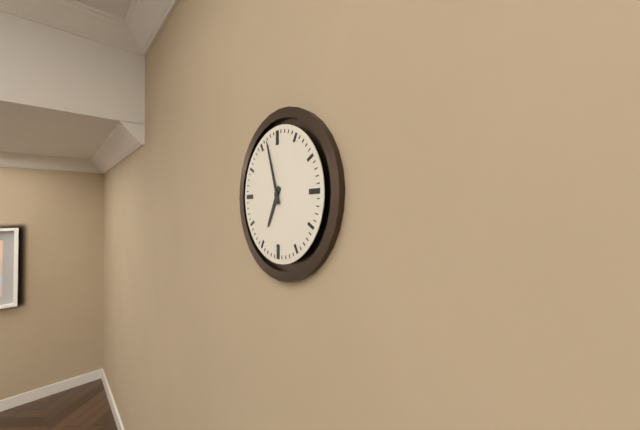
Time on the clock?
6:57
